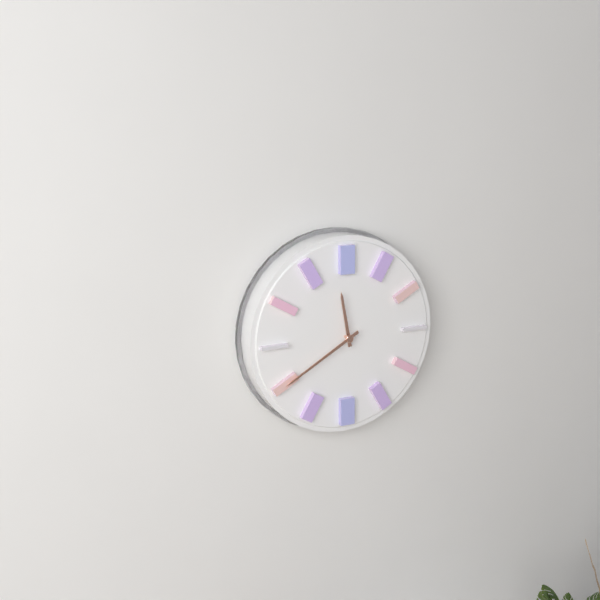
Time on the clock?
11:40
